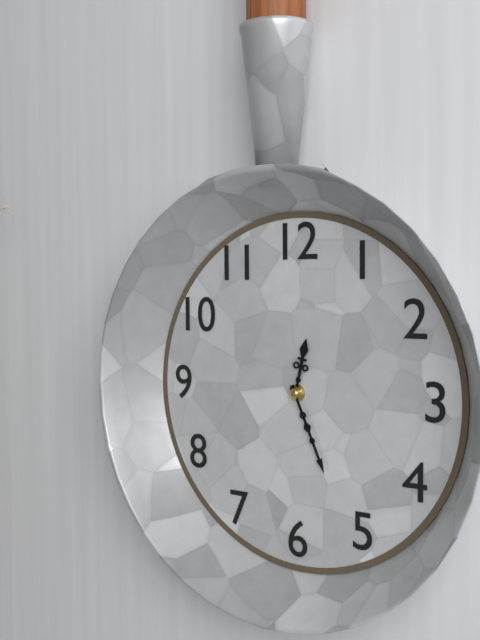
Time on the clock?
12:26
